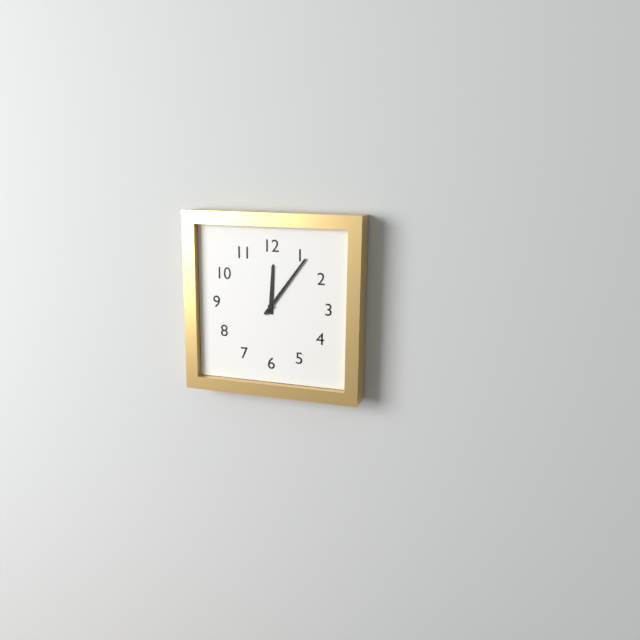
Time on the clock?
12:06
